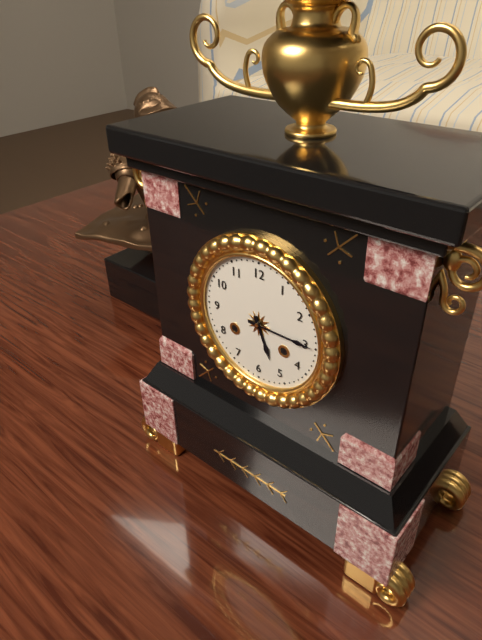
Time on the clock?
5:15
